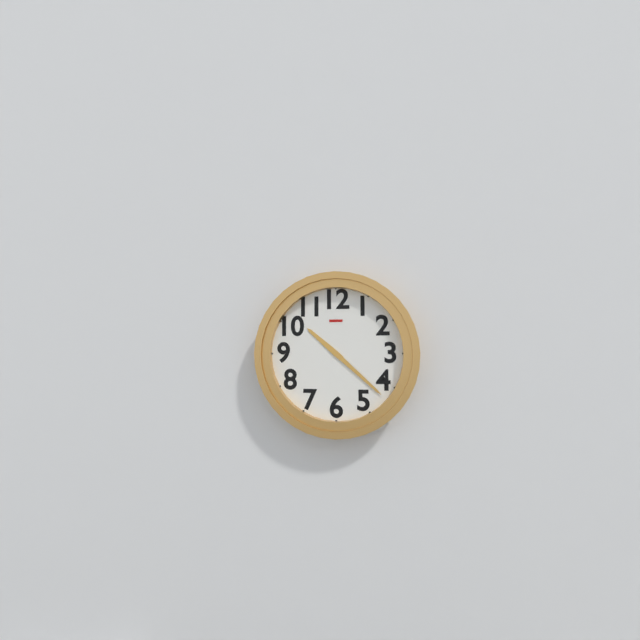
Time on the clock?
10:22
